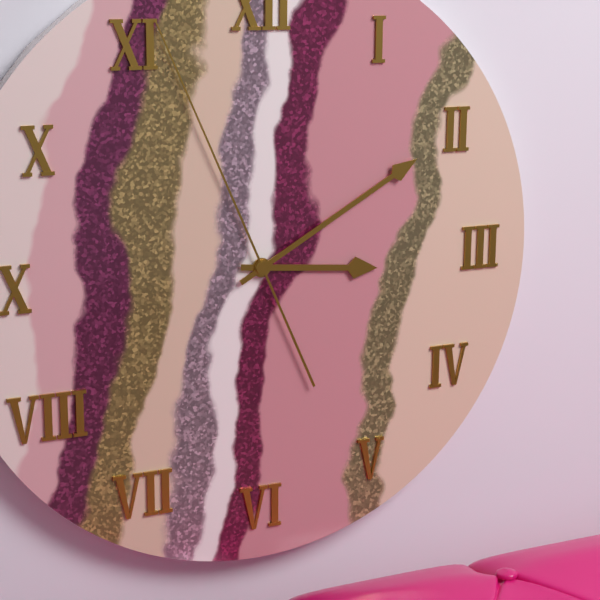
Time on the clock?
3:10:56
